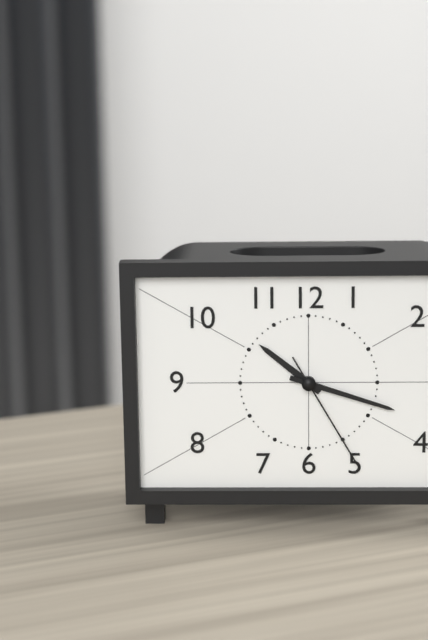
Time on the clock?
10:18:25
